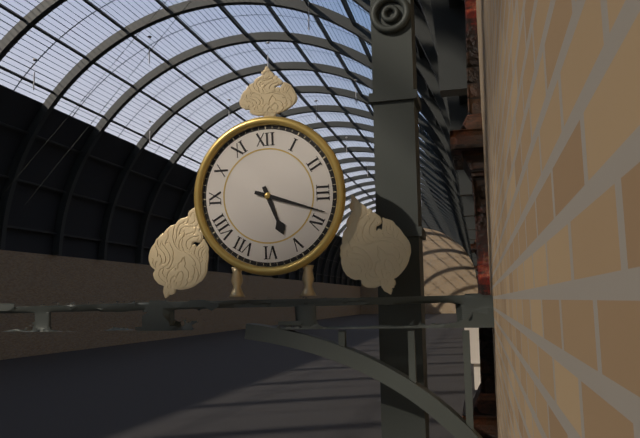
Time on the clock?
5:18
